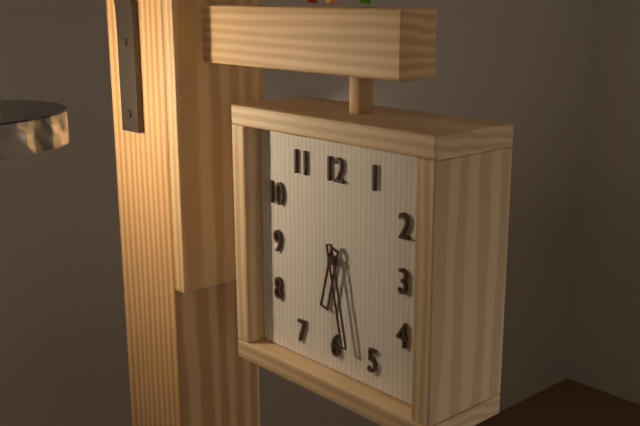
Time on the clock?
6:28
